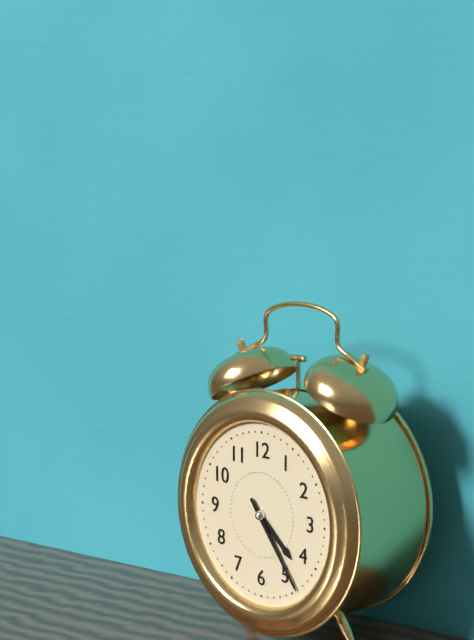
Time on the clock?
4:24
